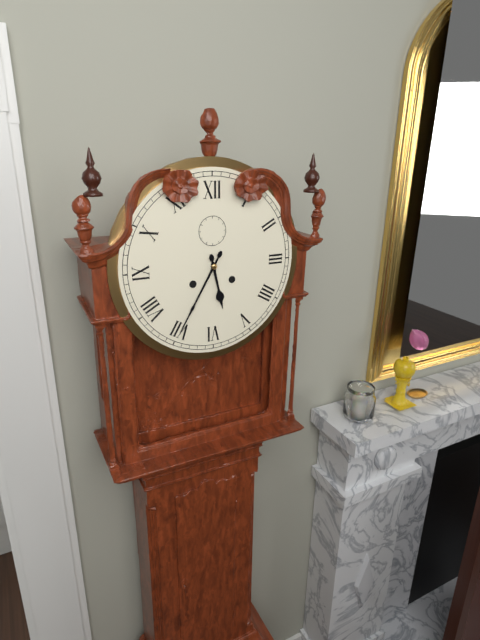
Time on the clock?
5:35
